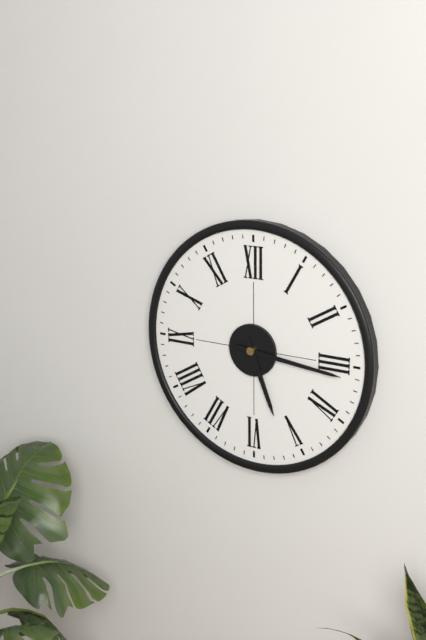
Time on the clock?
5:16
